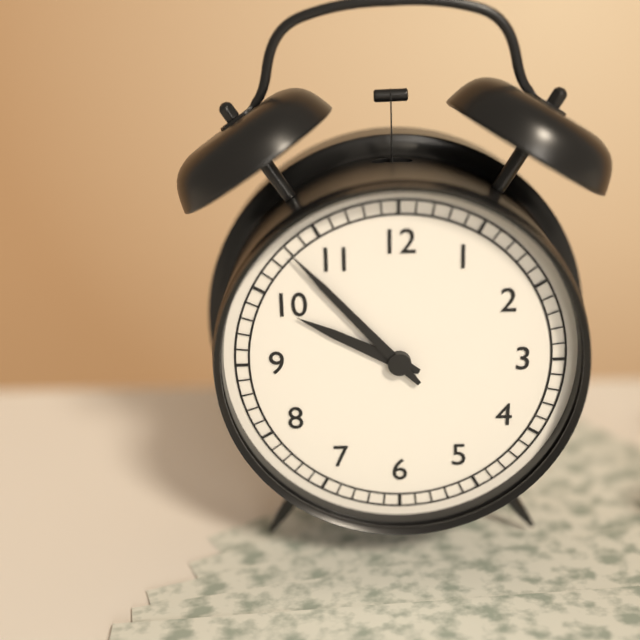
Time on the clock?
9:53
